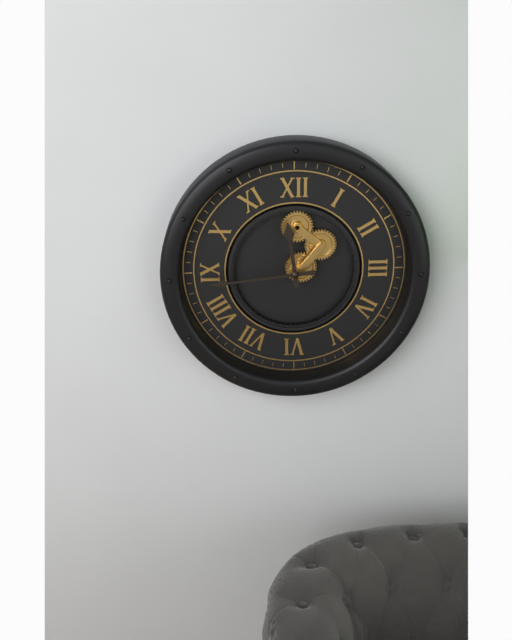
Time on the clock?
11:44
